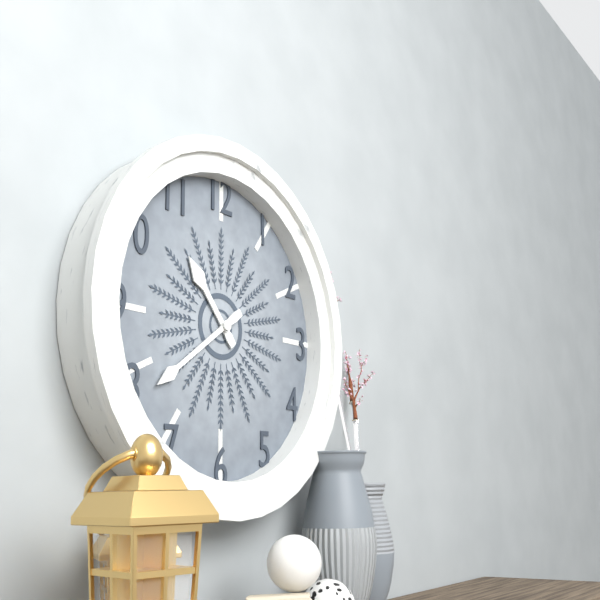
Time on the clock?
10:39
